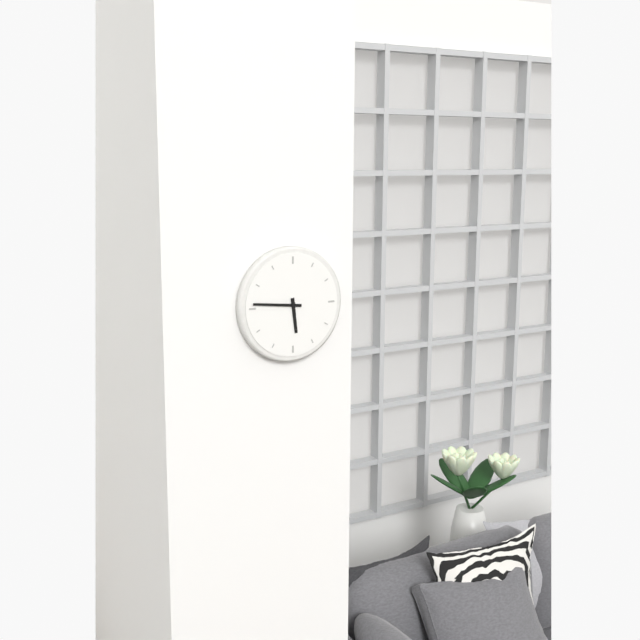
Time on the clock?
5:46
